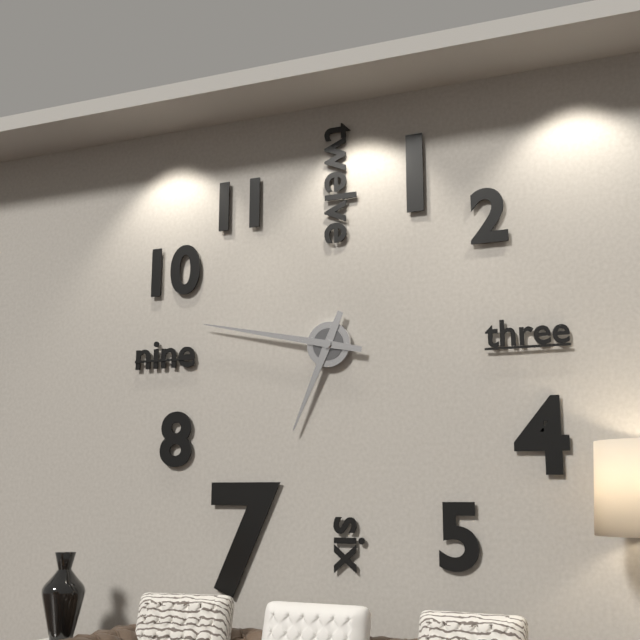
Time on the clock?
6:47
